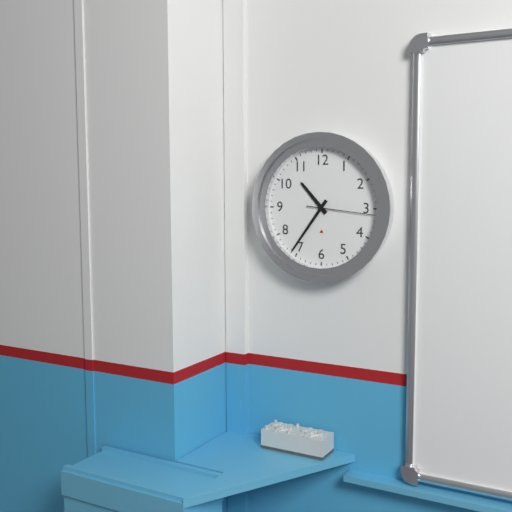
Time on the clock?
10:36:16
